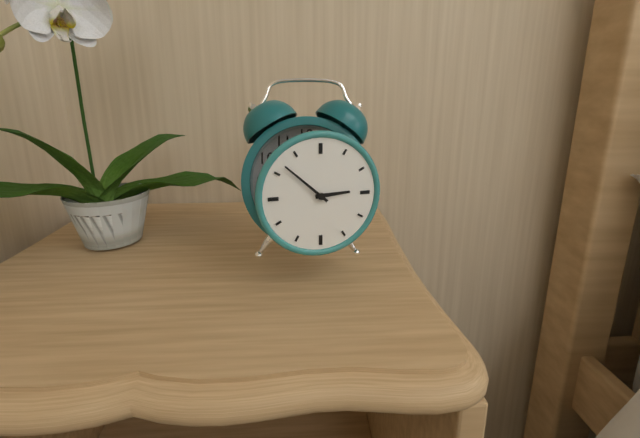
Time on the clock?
2:52
